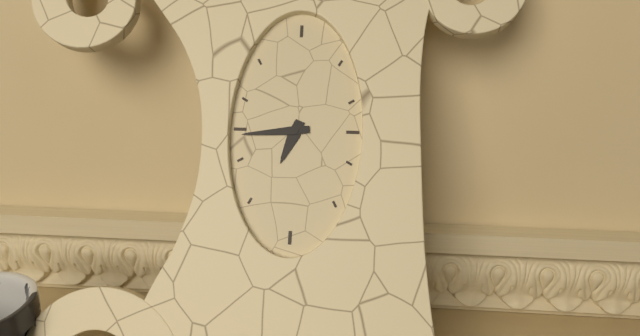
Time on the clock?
6:44
